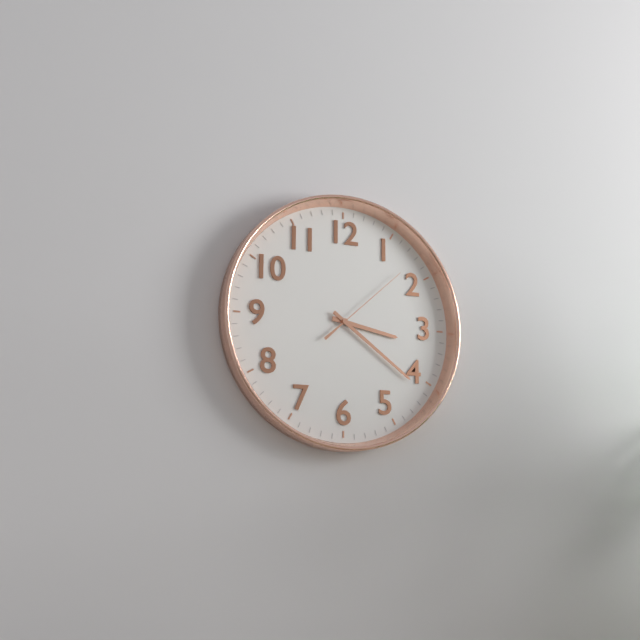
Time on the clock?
3:21:08
